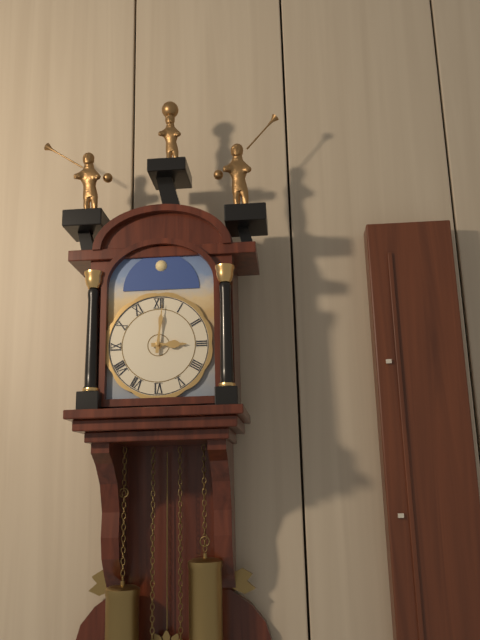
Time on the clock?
3:01
